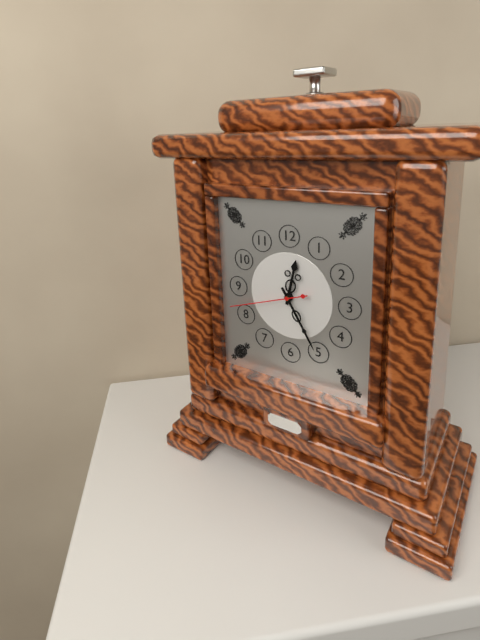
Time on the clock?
12:25:42
